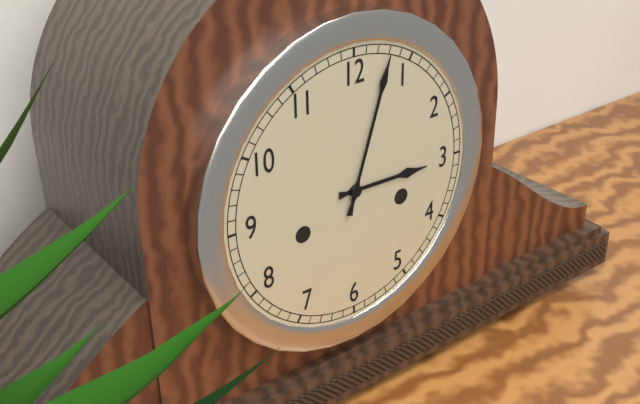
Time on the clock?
3:03
